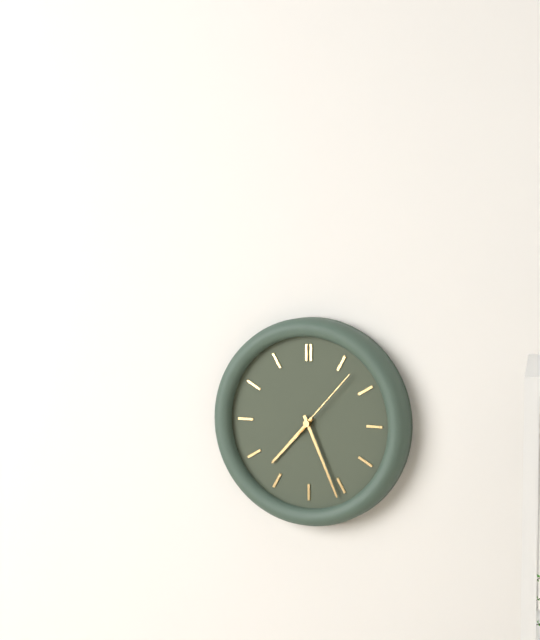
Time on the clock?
7:26:07
